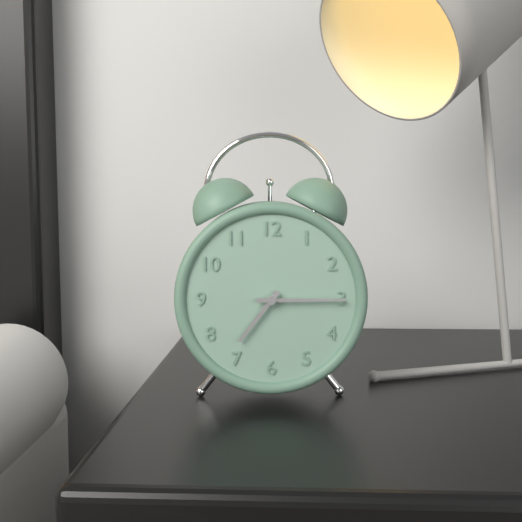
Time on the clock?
7:15
